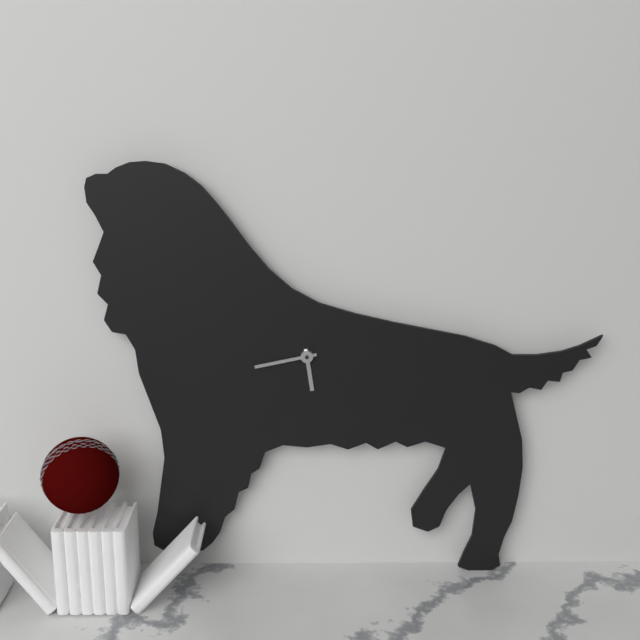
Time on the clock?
5:43
